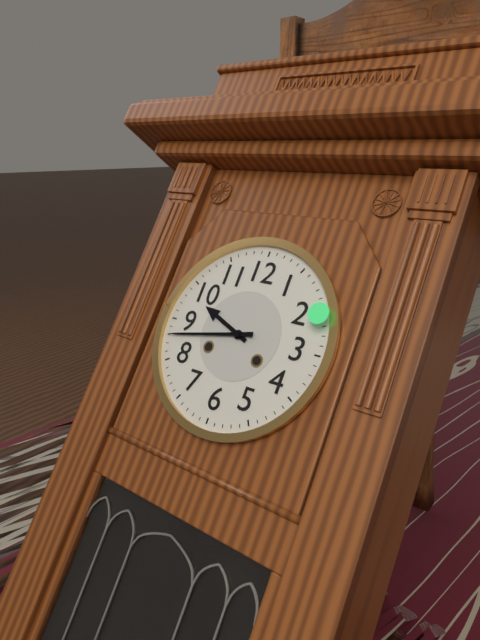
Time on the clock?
9:43
